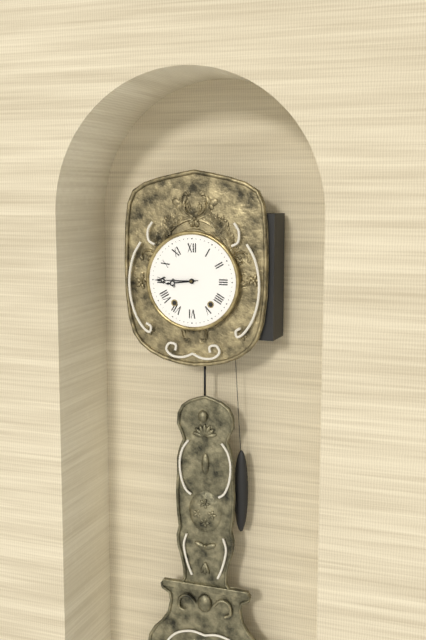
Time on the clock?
8:45
